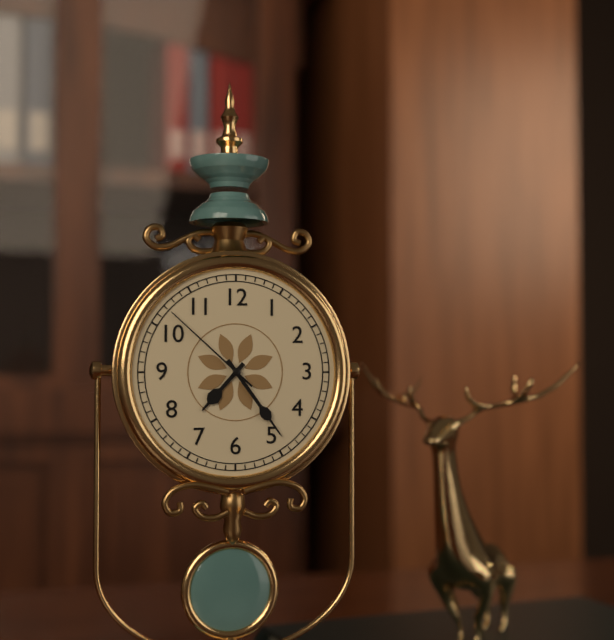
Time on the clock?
7:24:52
